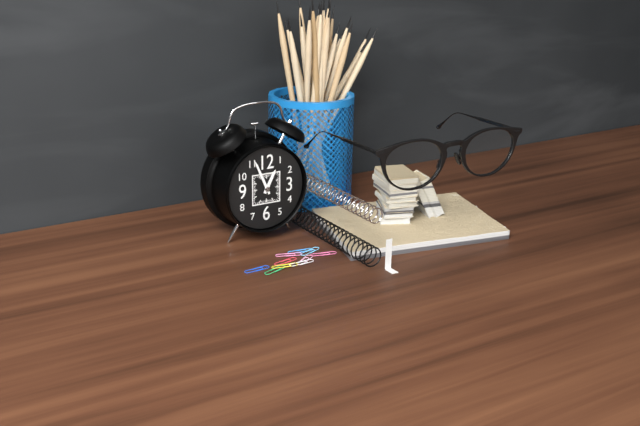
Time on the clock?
12:56
